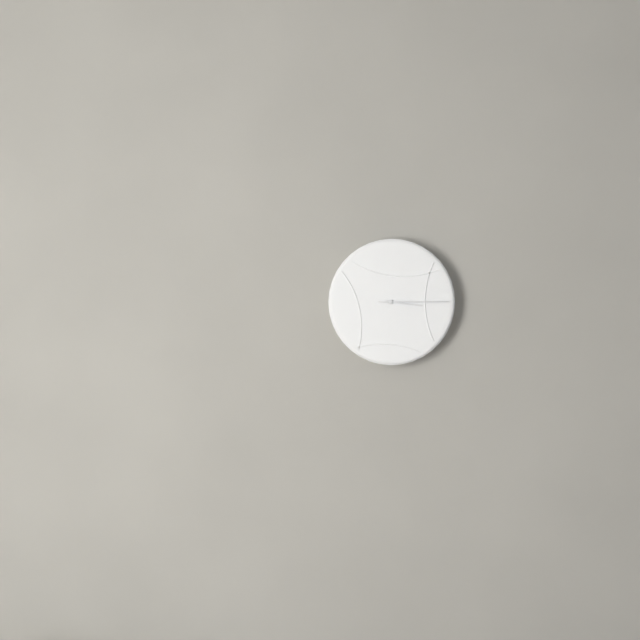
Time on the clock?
3:15
